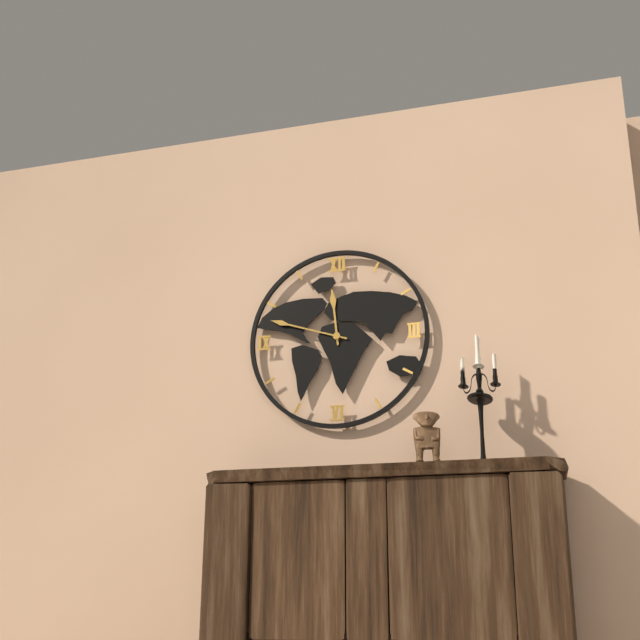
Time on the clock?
11:48
